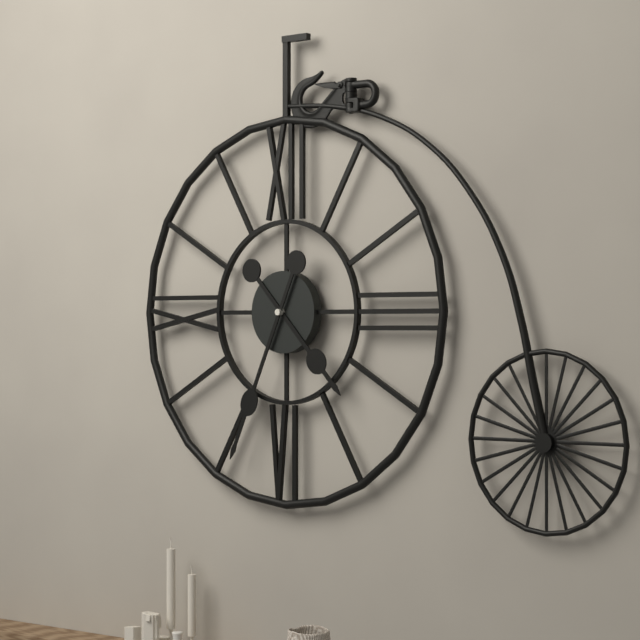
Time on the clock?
4:34
